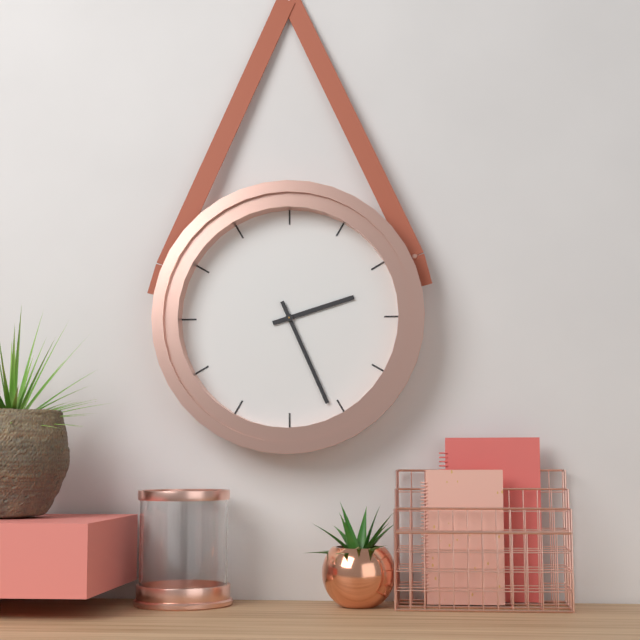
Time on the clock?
2:26
